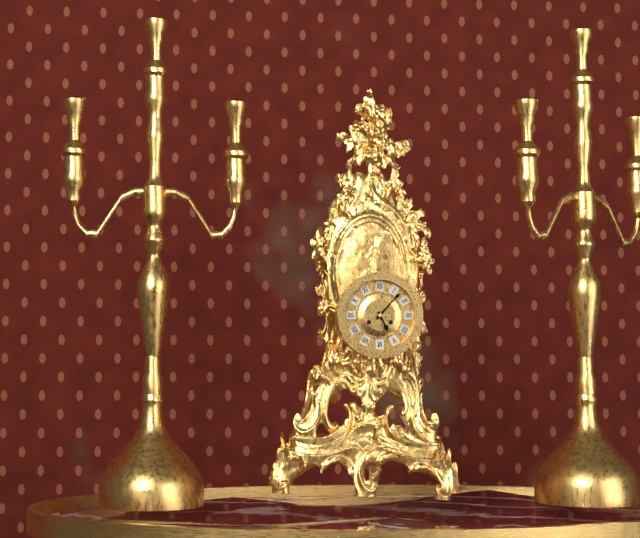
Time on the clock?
5:07
